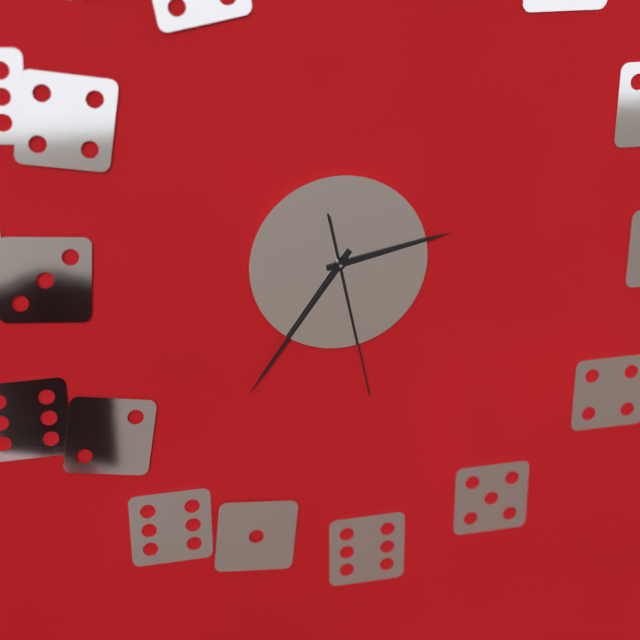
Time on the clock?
2:36:28
